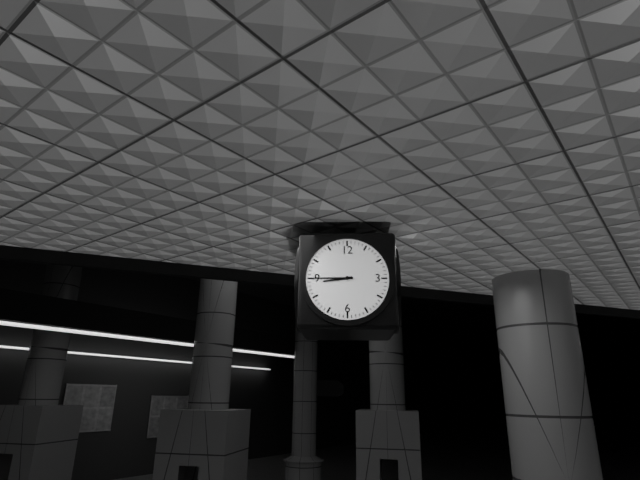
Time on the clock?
8:45
